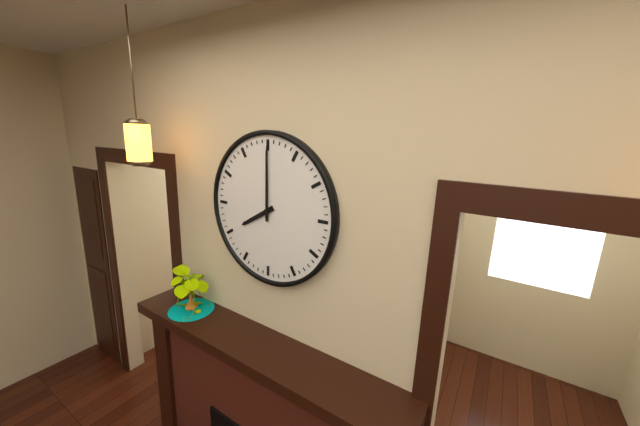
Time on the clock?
8:00
